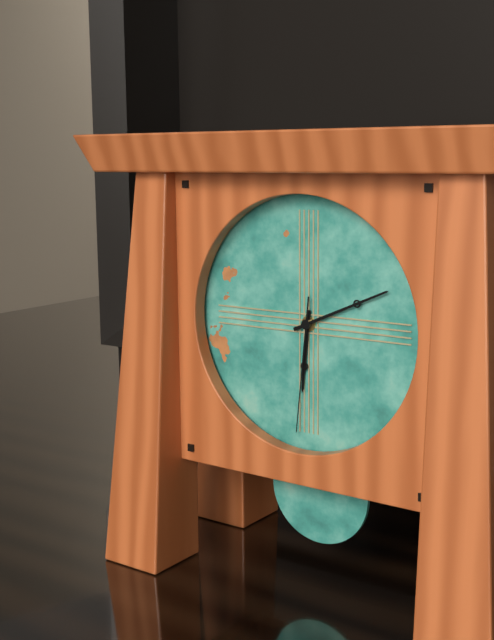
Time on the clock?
6:11:31
